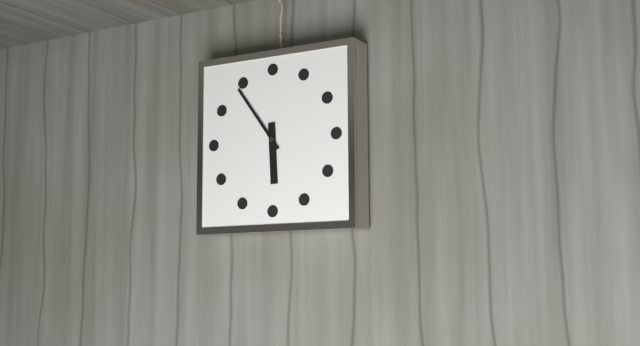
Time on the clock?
5:54
